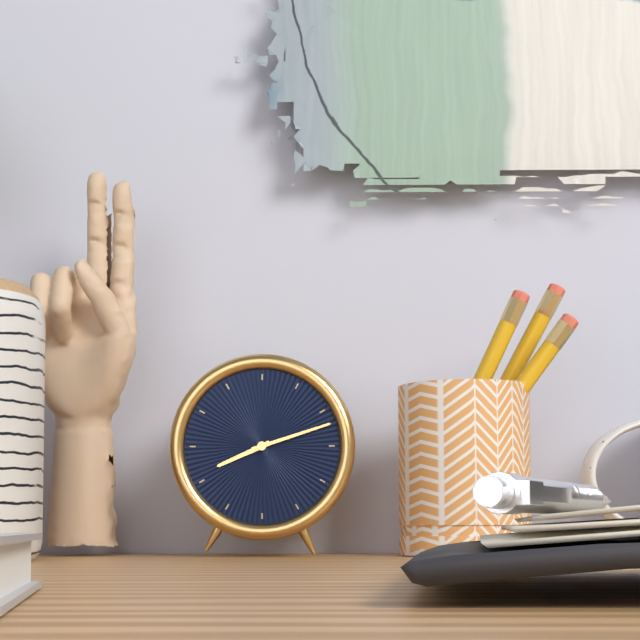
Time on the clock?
8:12
